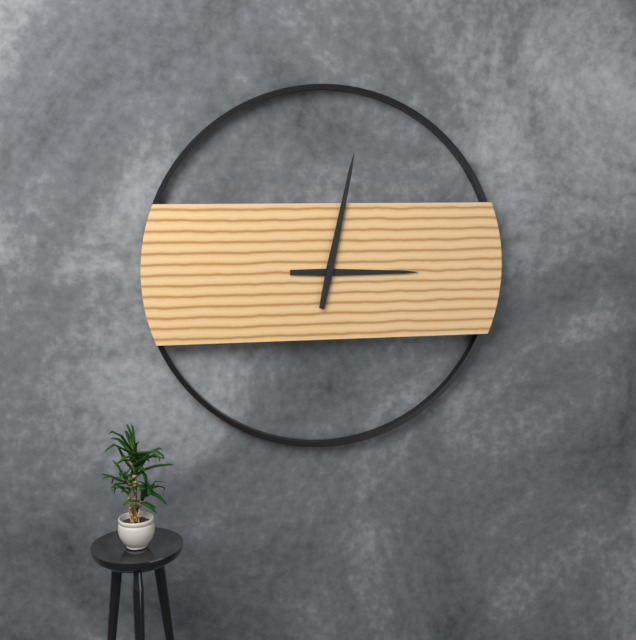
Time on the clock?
3:02
